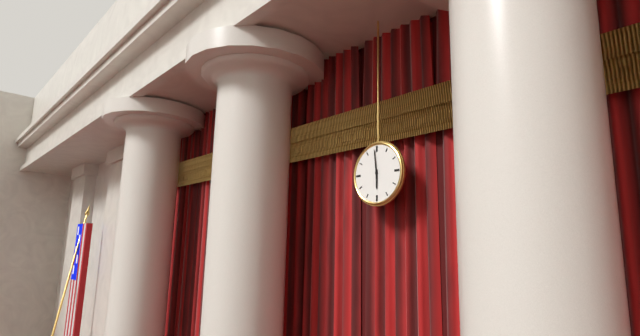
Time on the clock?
5:59
